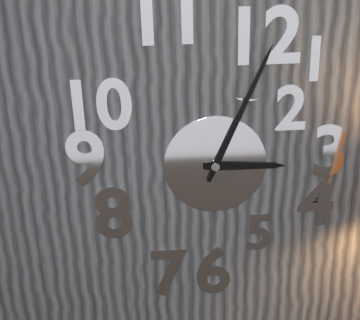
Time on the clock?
3:04
